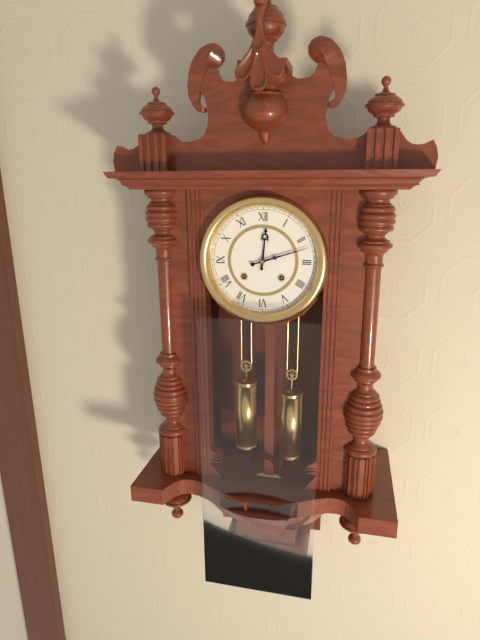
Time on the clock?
12:12
